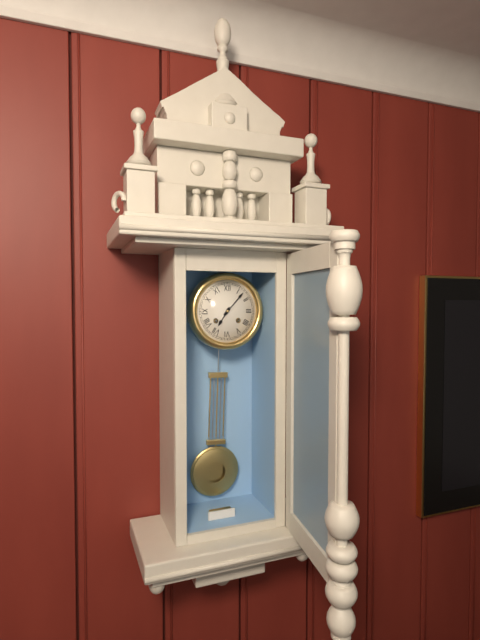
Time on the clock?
7:07
